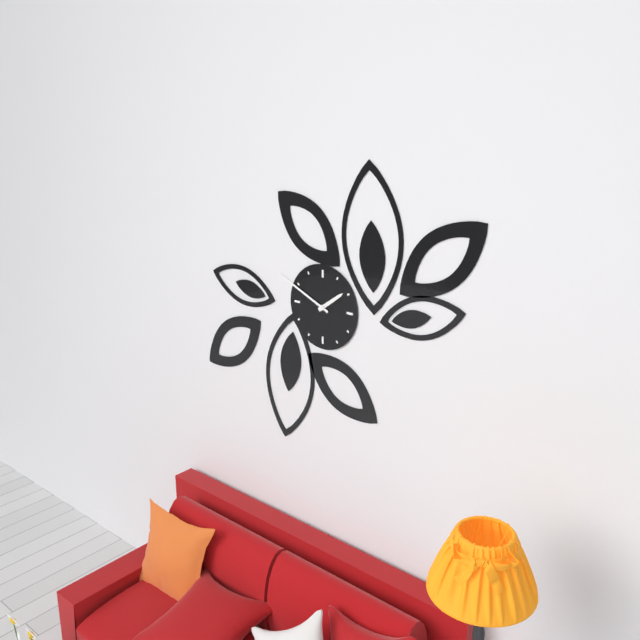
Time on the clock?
1:49
